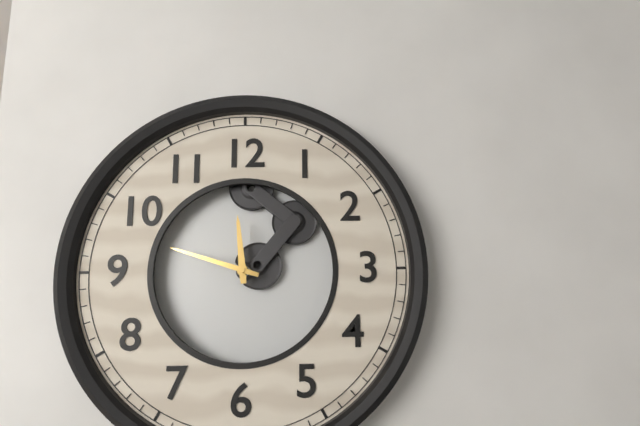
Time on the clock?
11:48
